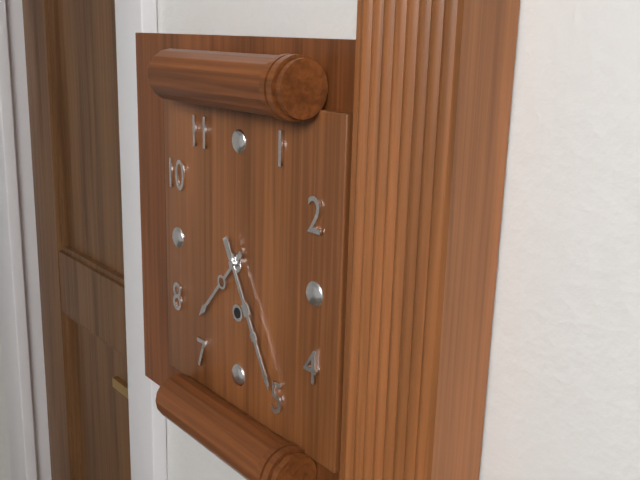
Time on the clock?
7:25
